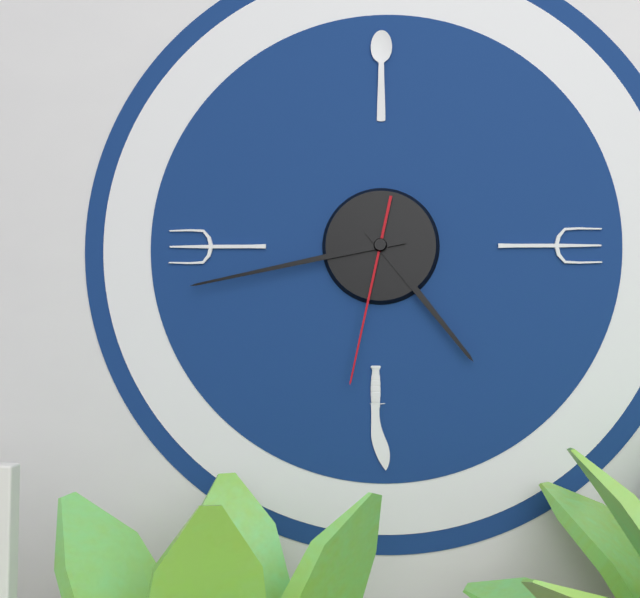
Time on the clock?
4:43:32
